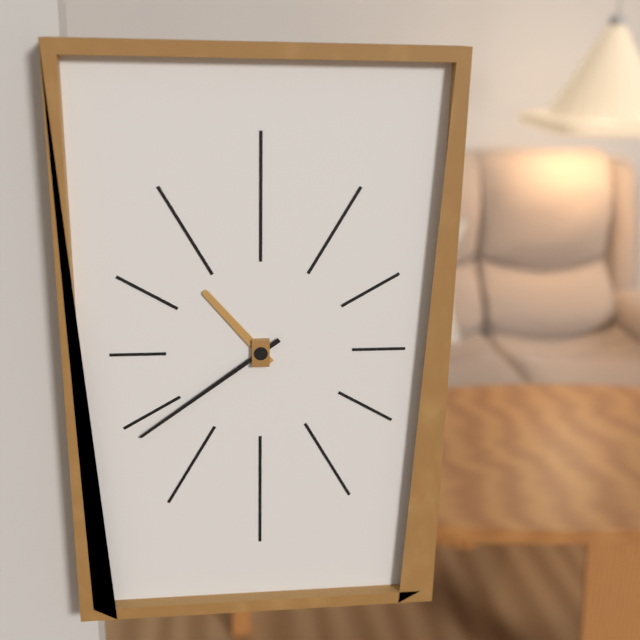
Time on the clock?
10:39
